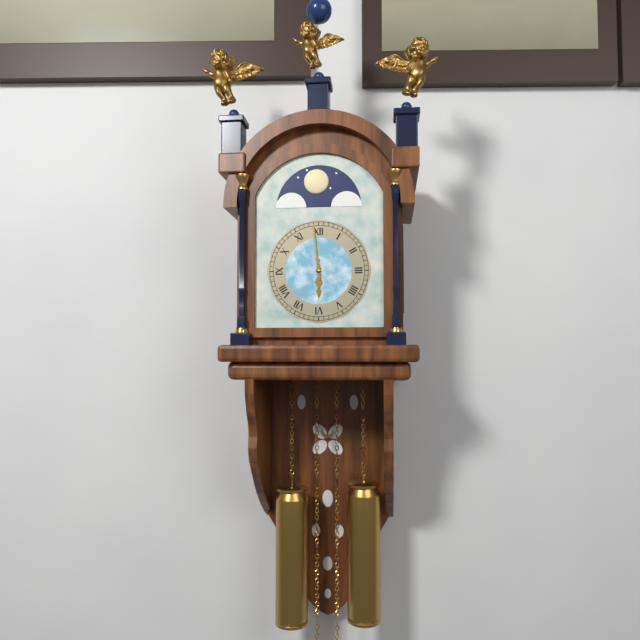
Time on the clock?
5:59
